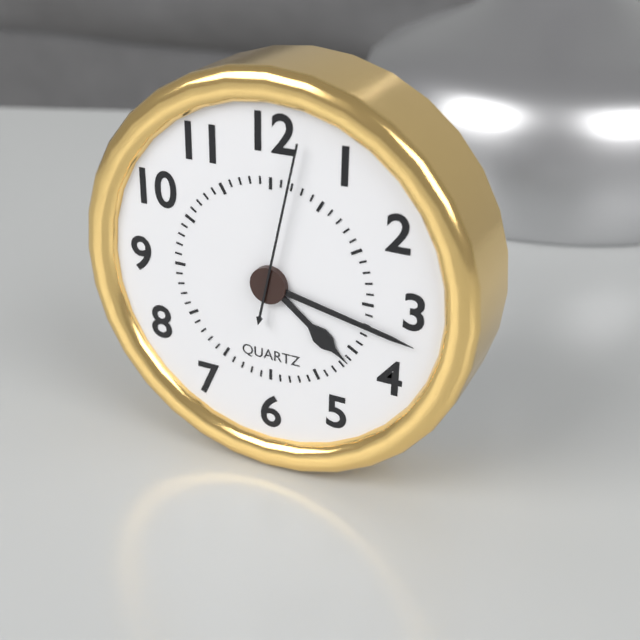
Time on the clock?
4:17:02
